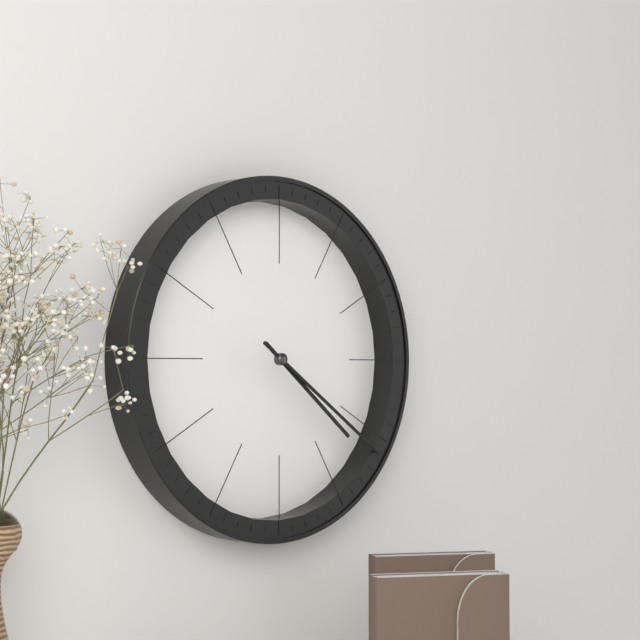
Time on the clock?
4:21
